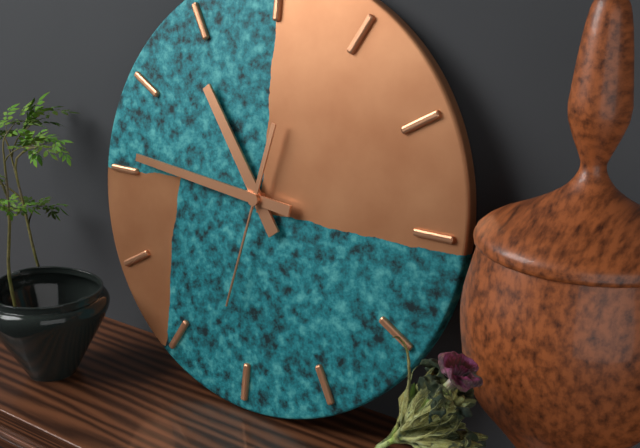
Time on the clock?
10:46:32
